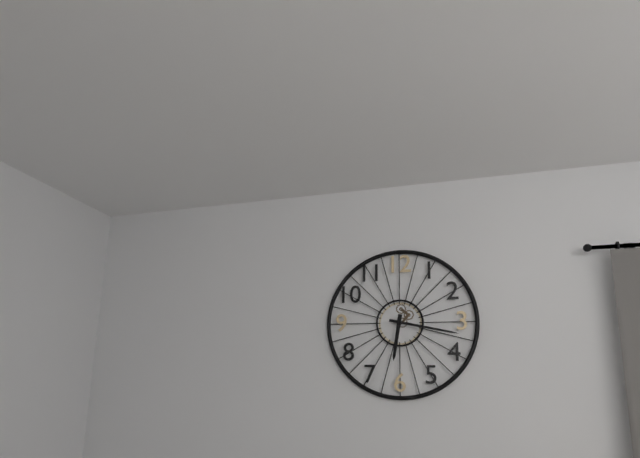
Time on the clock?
6:17
